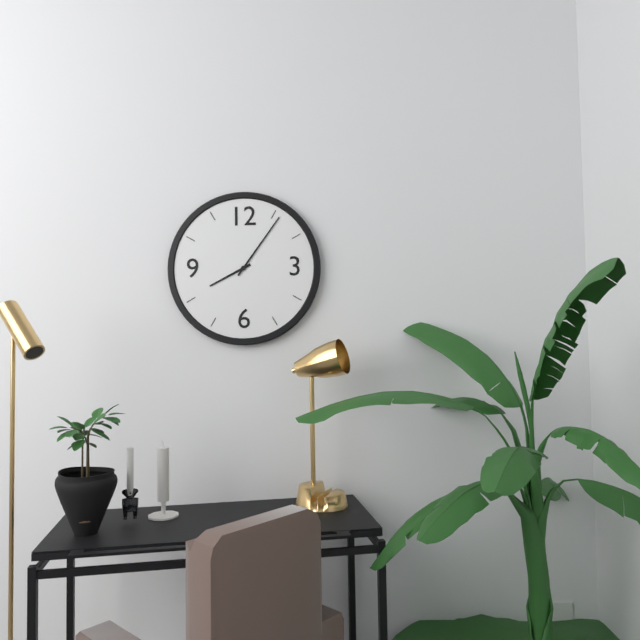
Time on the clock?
8:06
